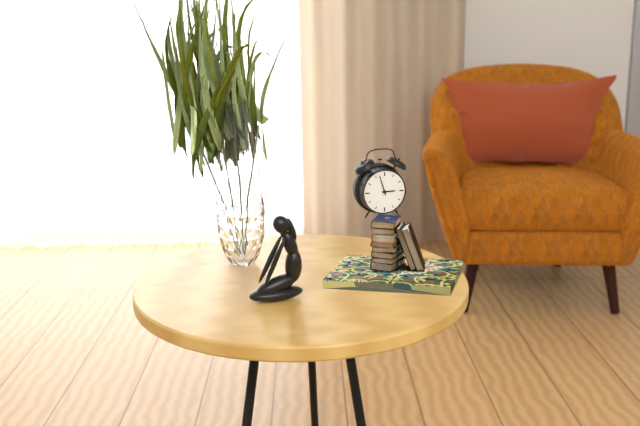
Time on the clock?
2:57
